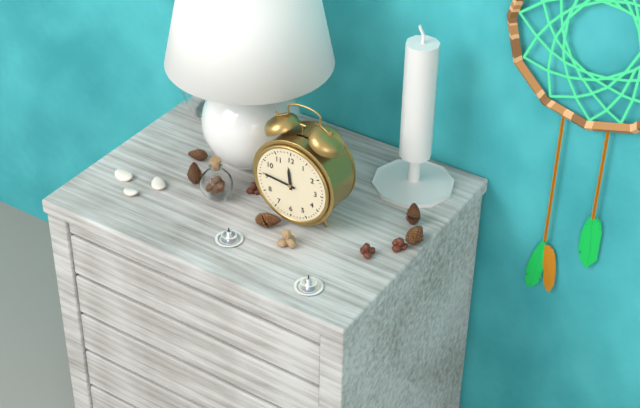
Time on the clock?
11:46
